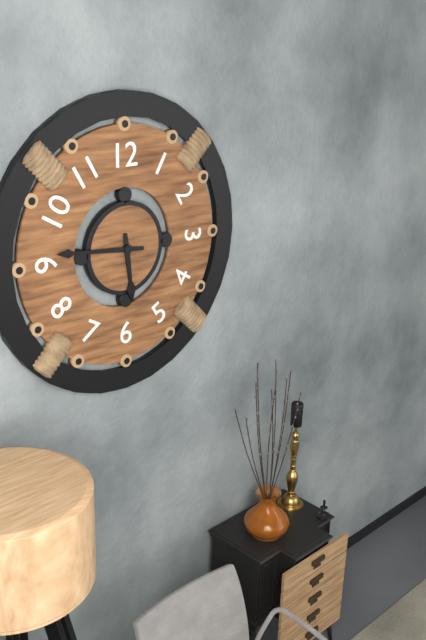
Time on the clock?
5:46
